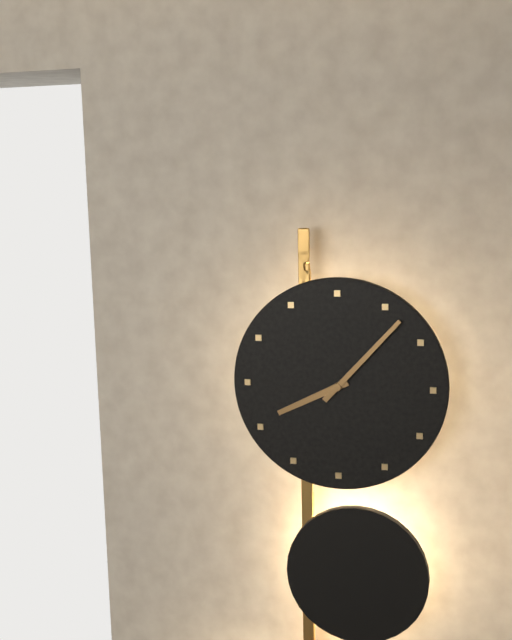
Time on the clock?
8:07
